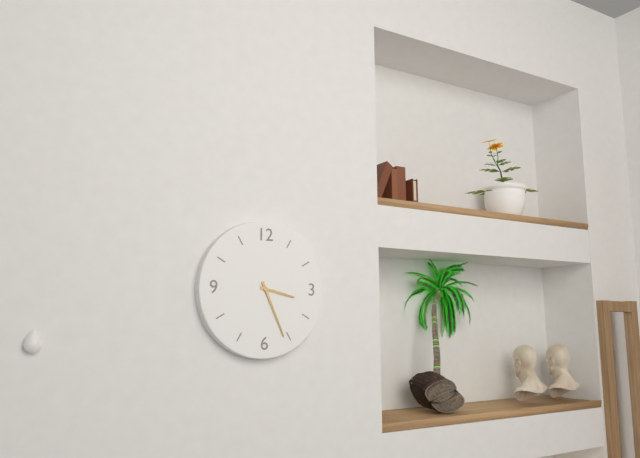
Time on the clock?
3:26
